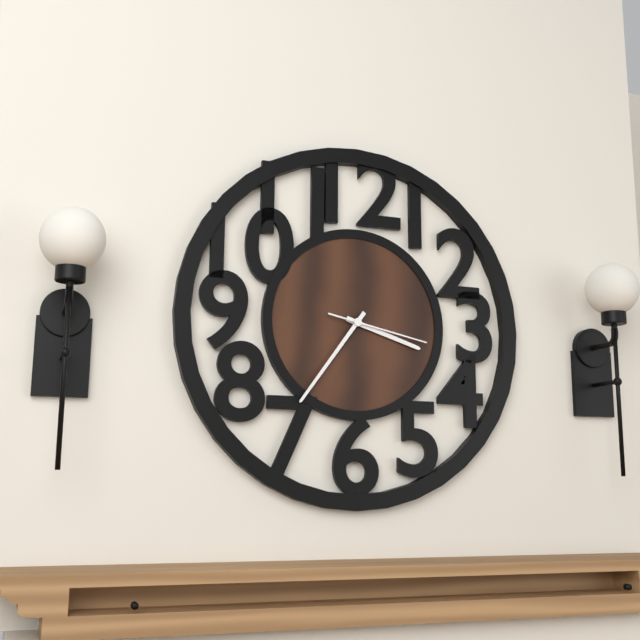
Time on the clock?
3:36:17
